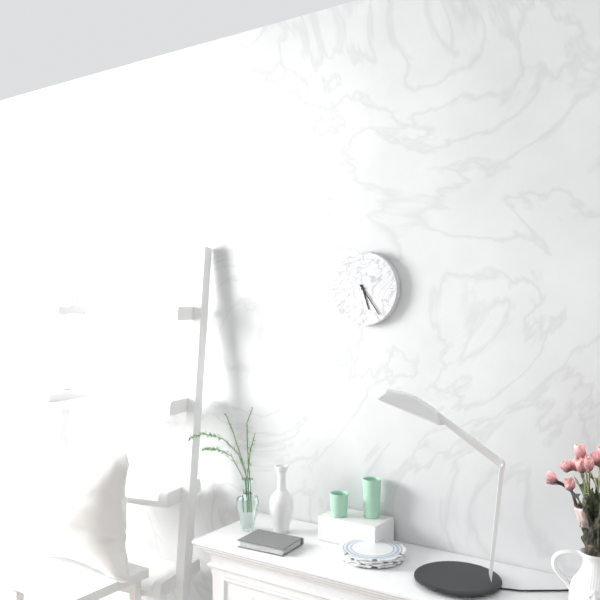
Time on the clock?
5:24
